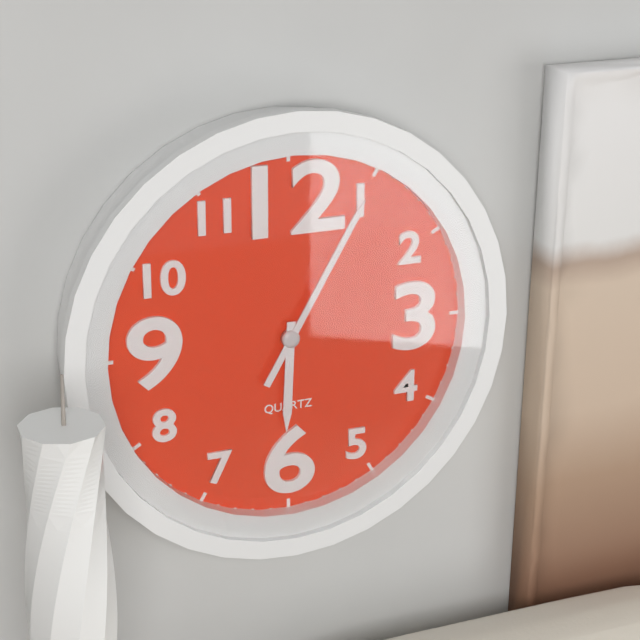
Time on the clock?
6:05
